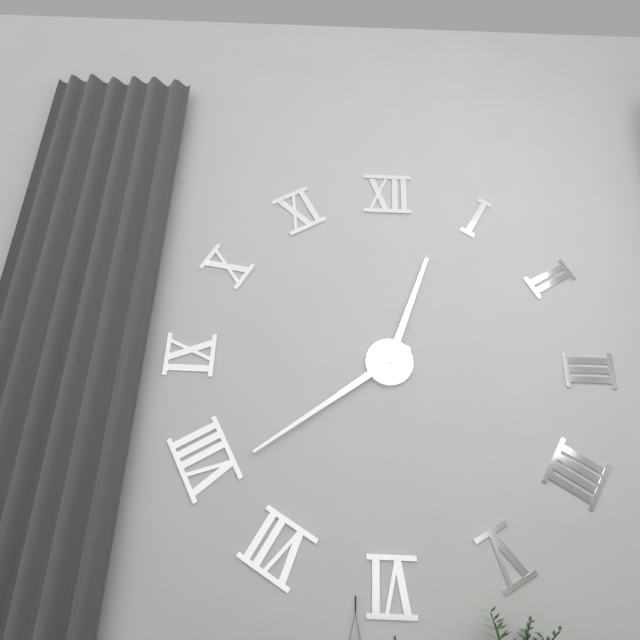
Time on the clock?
12:39
